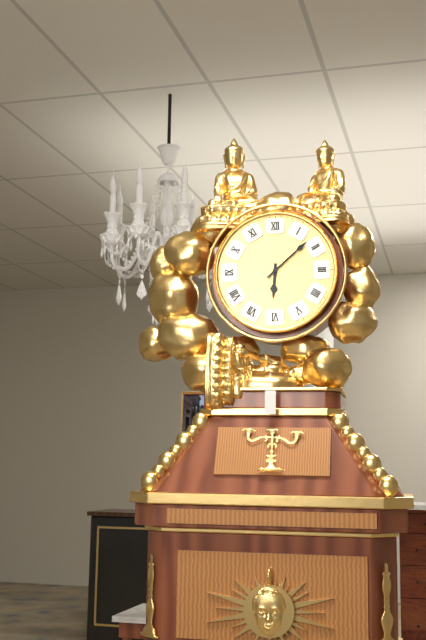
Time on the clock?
6:08
